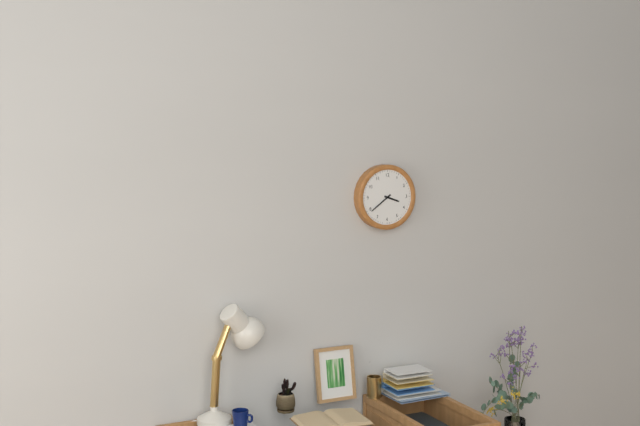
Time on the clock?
3:39
